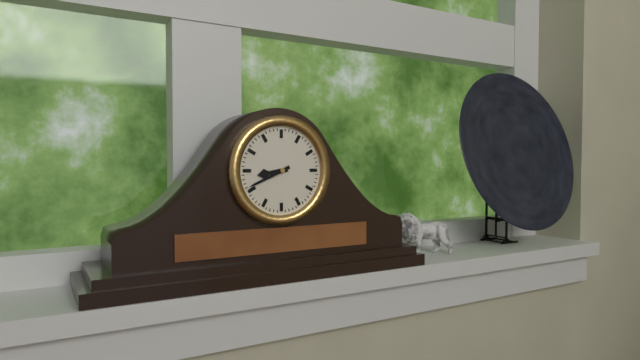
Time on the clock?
8:41
